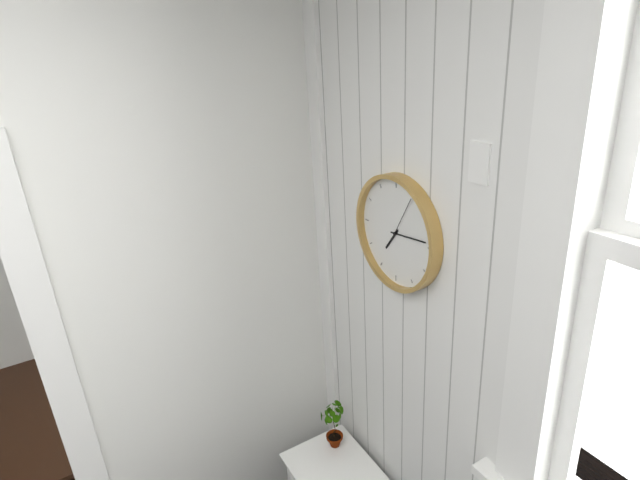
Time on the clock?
7:14
